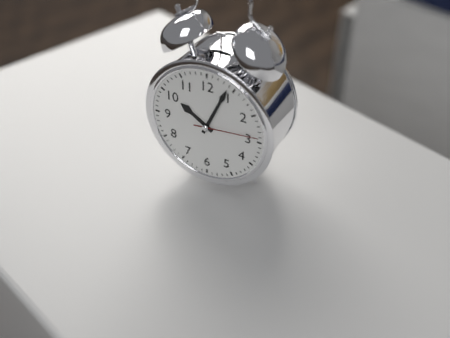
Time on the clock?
10:04:14
